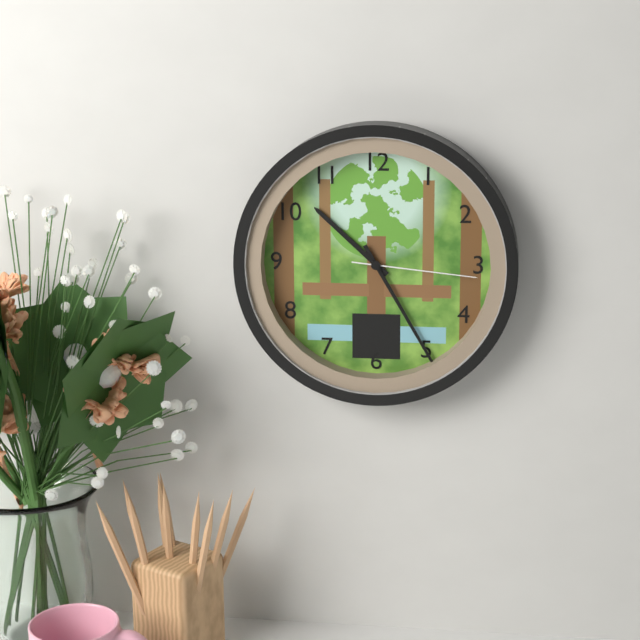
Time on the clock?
10:25:16
